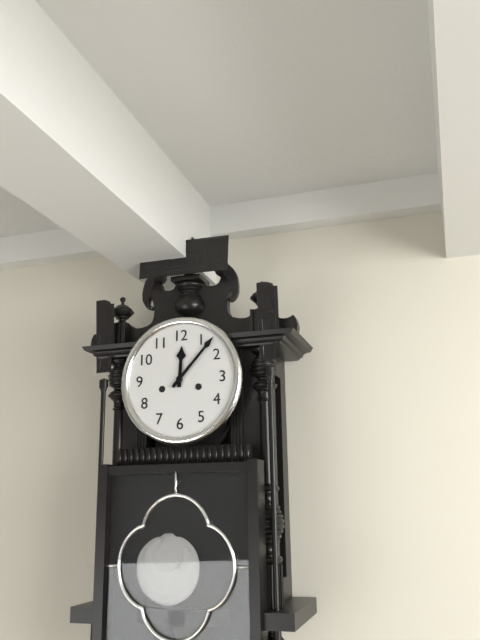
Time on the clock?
12:07
